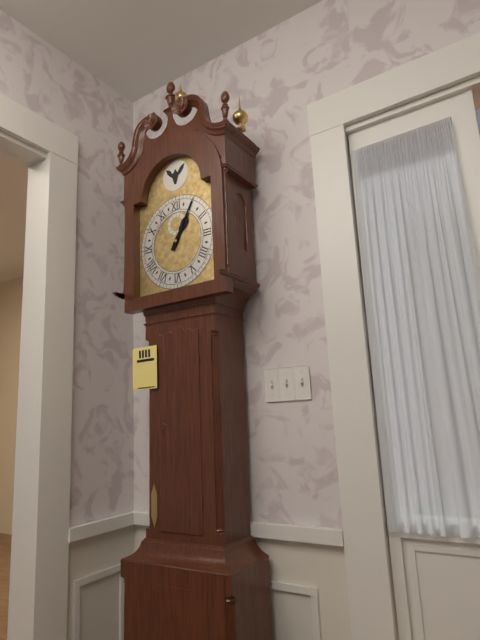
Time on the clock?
1:05
